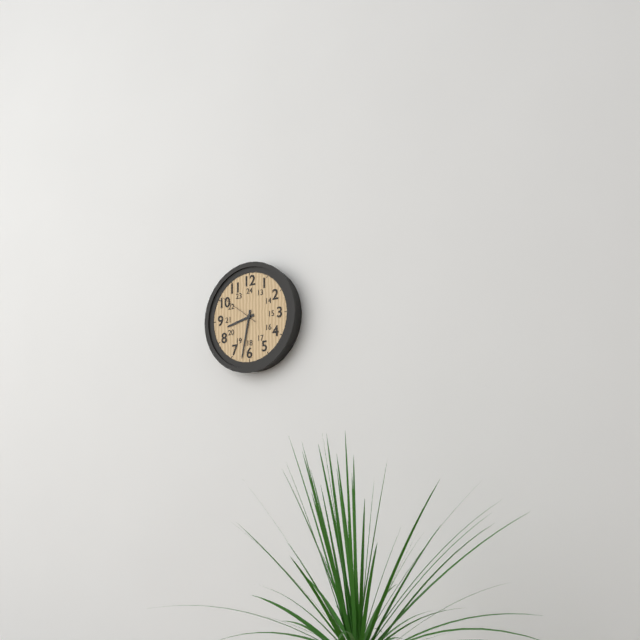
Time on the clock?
8:32
